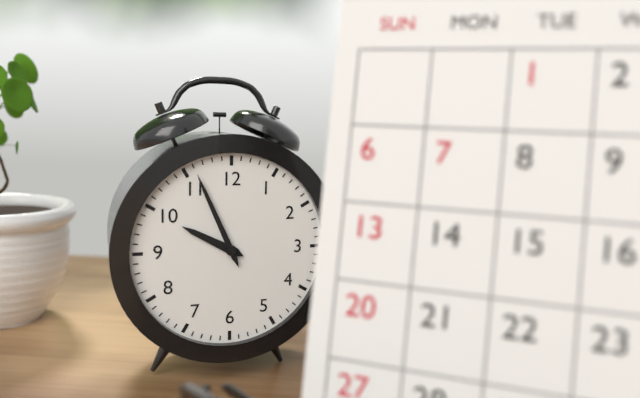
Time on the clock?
9:56
